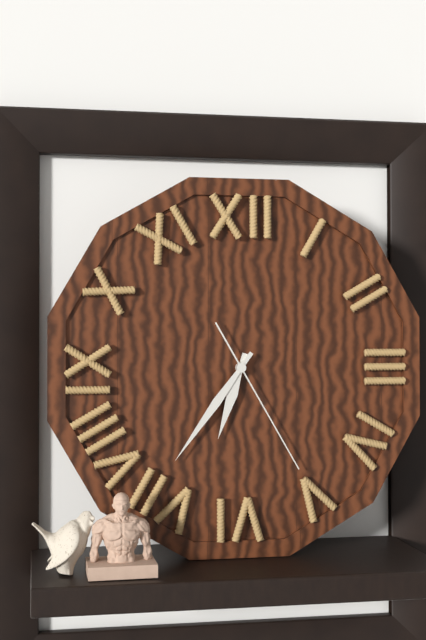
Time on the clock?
6:36:25
